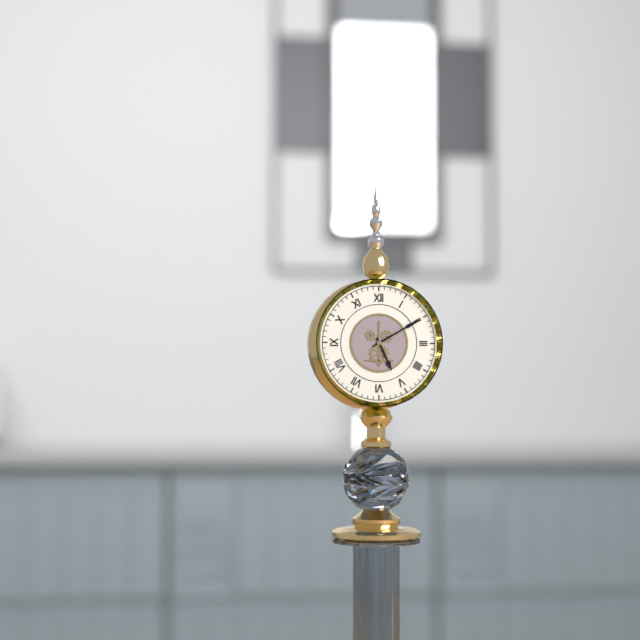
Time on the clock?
5:10
